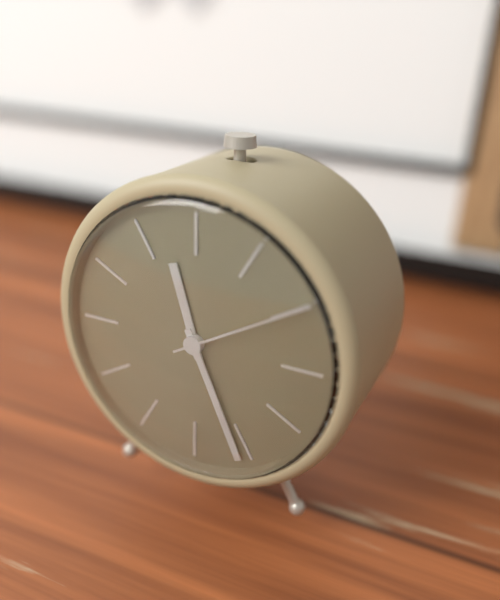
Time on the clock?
11:26:10
